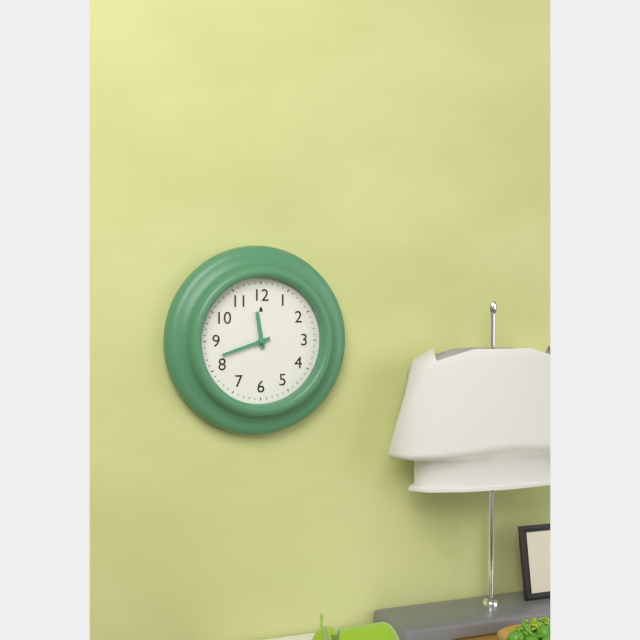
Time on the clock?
11:42
